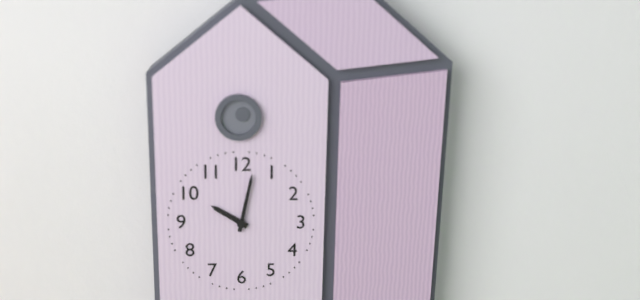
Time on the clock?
10:02
